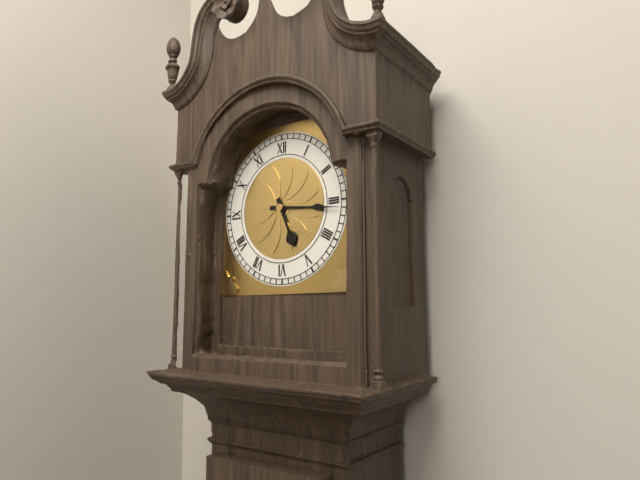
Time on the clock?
5:16
